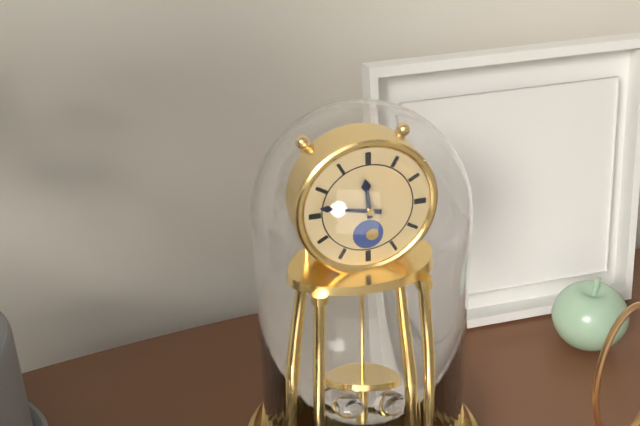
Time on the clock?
11:47
